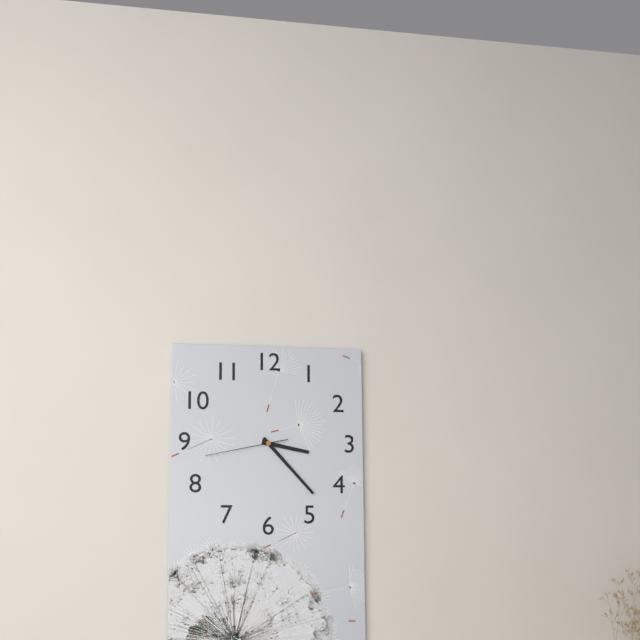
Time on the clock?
3:23:43
